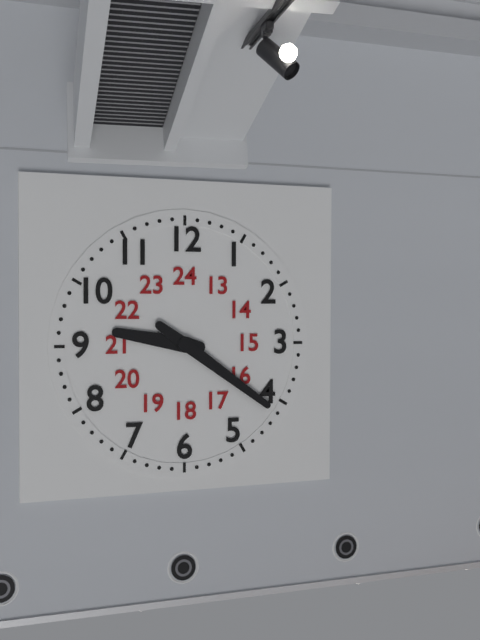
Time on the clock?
9:21
